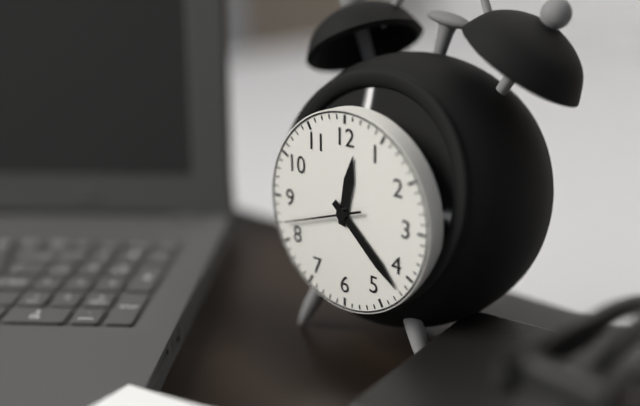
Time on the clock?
12:22:42
